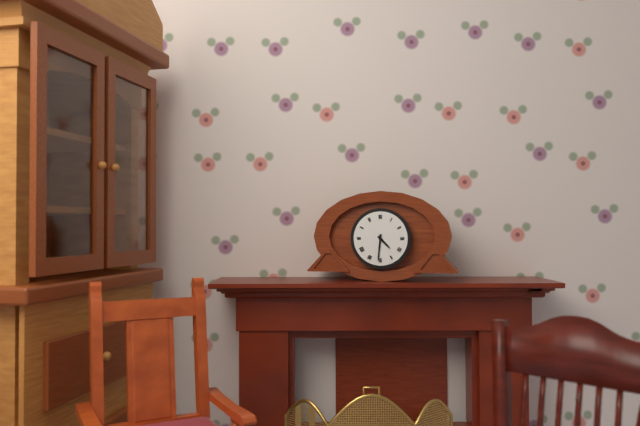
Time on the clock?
4:31
